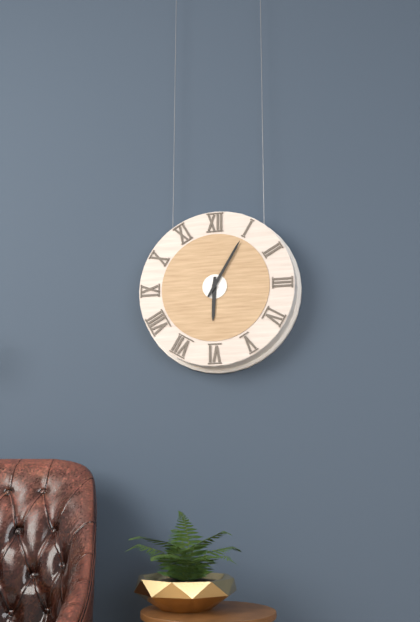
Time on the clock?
6:05
